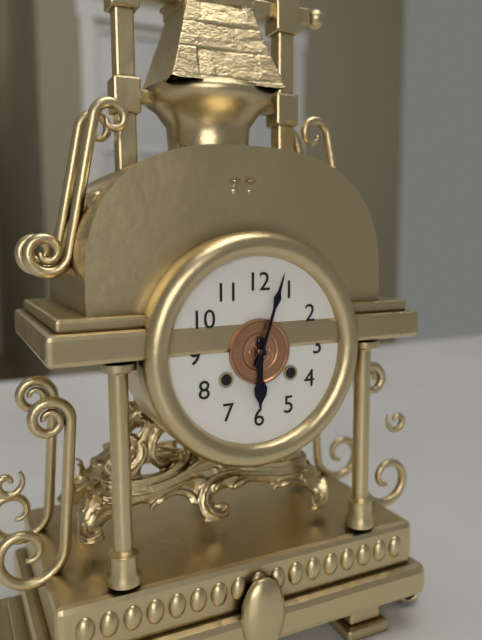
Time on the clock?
6:03
